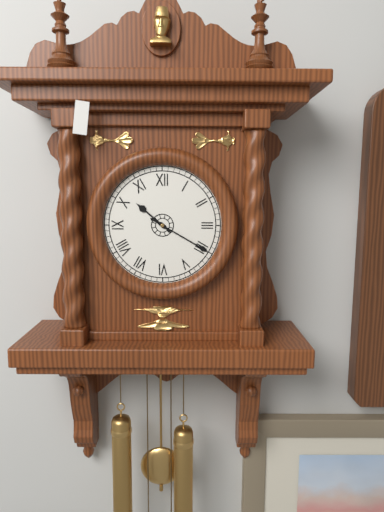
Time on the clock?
10:20
